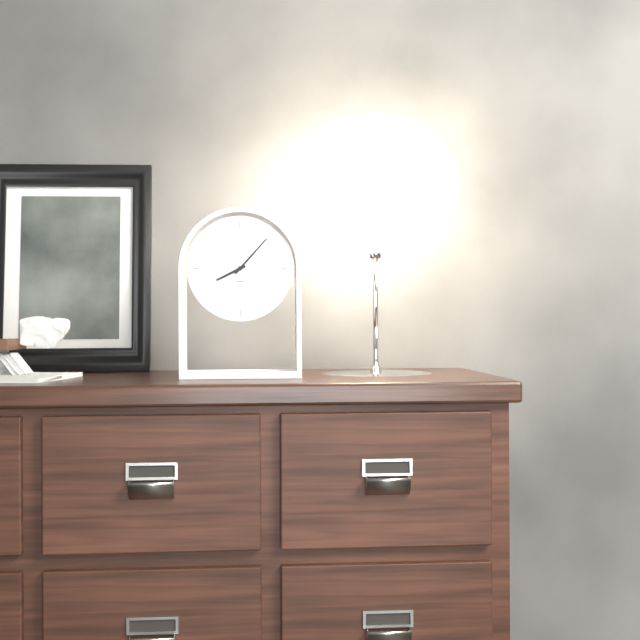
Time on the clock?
8:07
